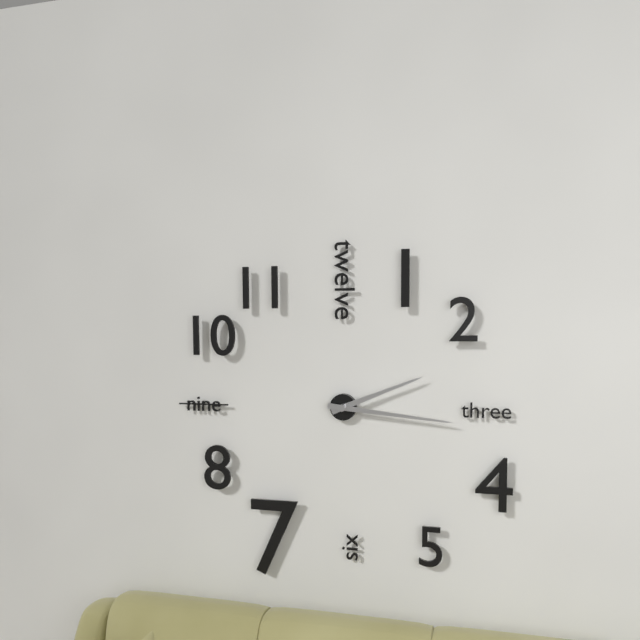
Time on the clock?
2:16
